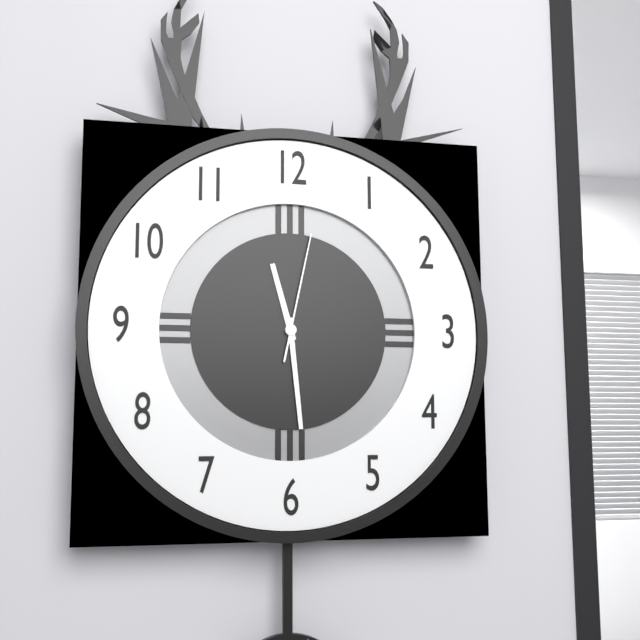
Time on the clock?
11:29:02
